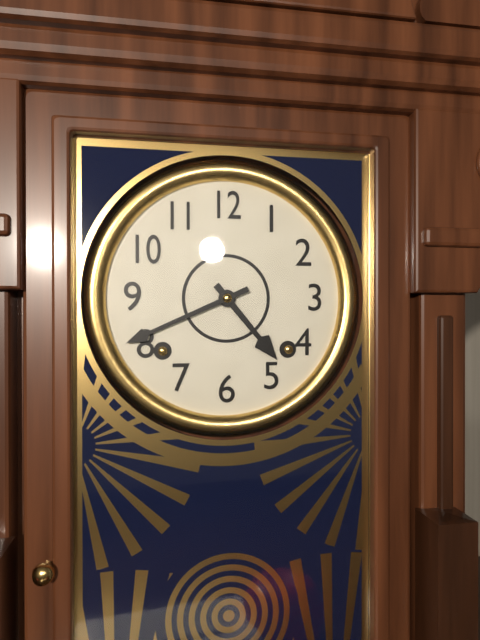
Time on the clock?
4:41
